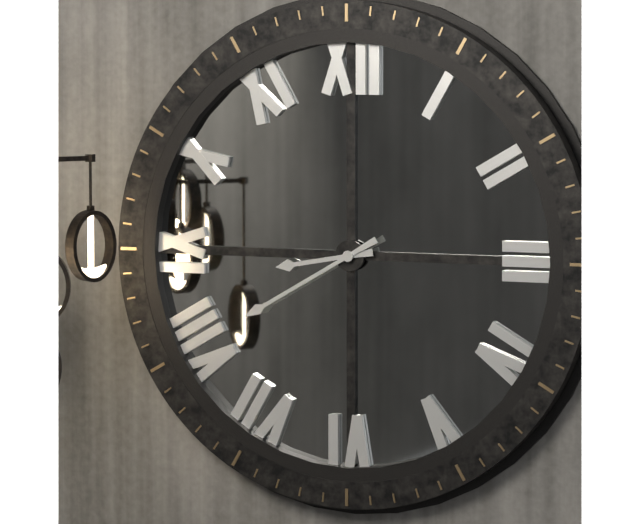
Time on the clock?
8:40
